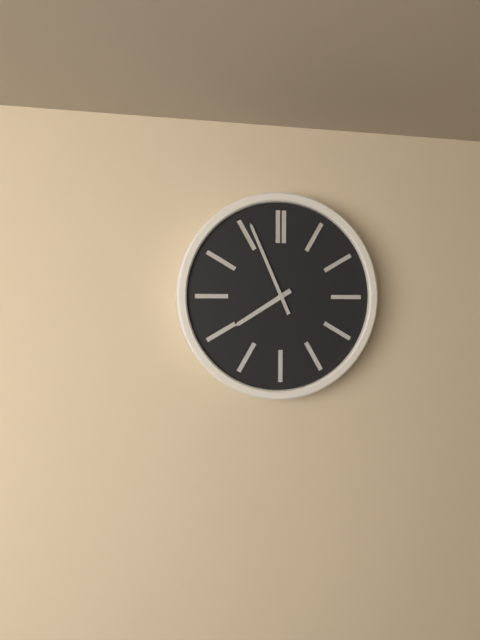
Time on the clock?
7:56
